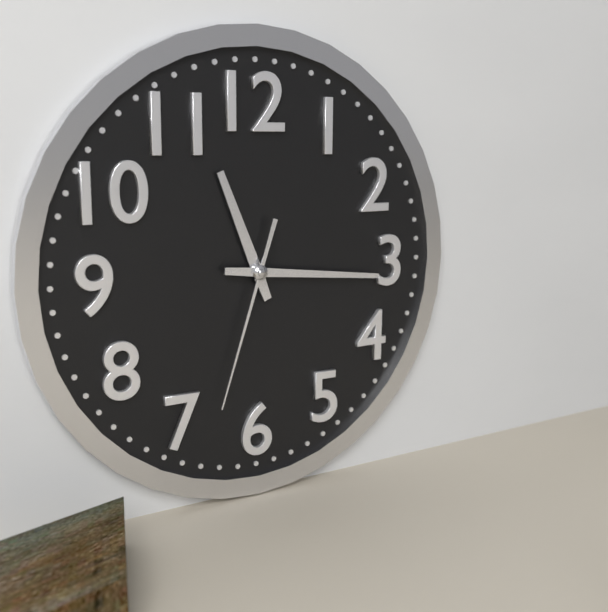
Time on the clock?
11:16:33
